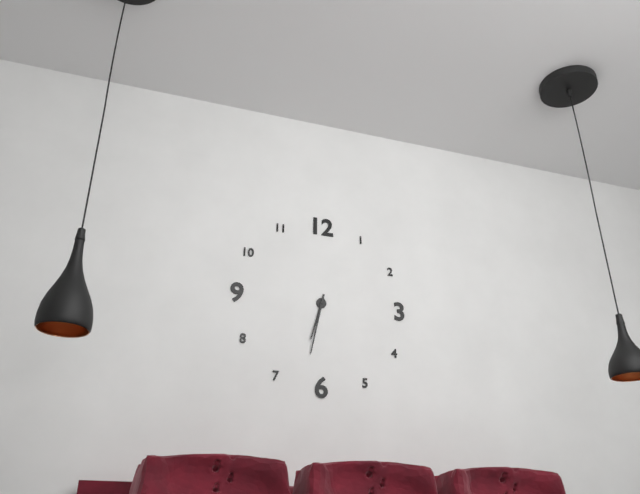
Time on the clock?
6:32
